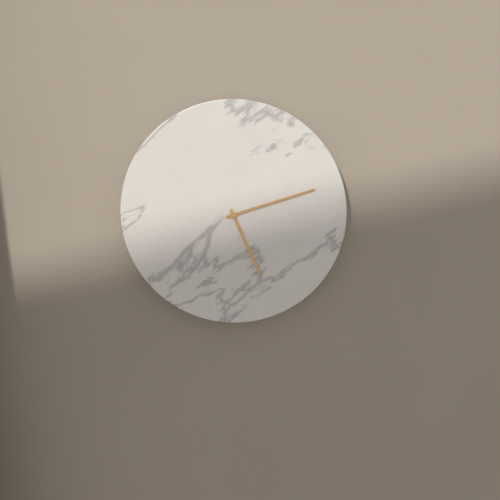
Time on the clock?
5:12
